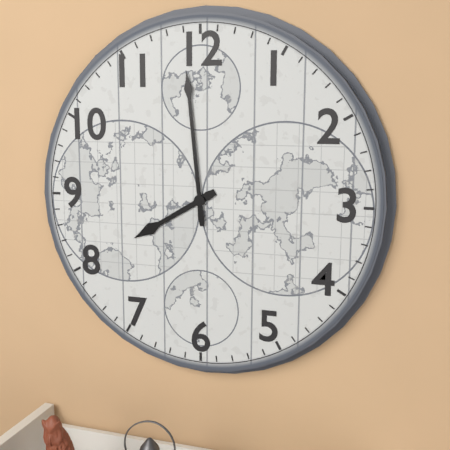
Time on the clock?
7:59
